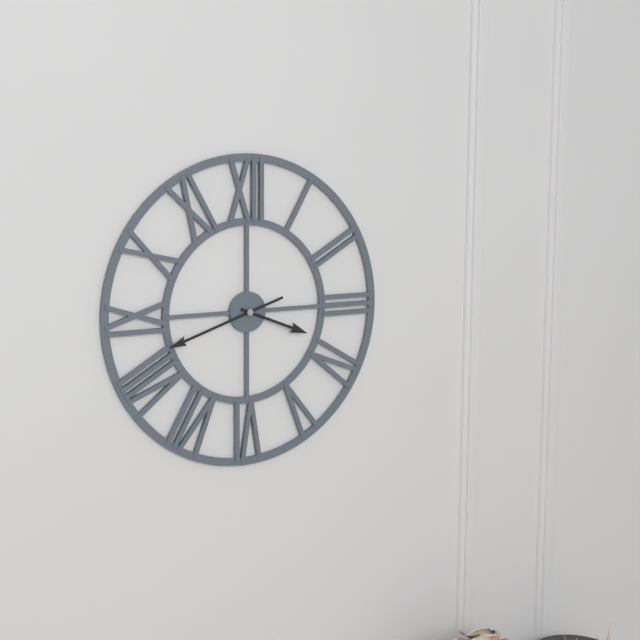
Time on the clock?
3:42
